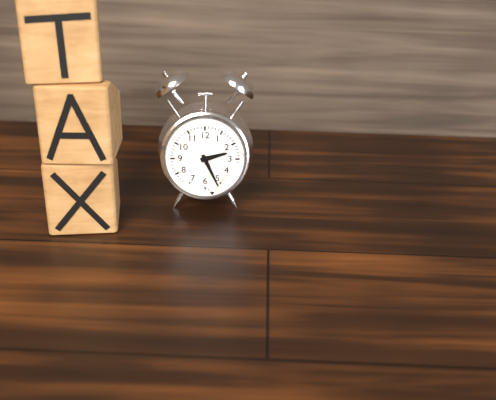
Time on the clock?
2:26
